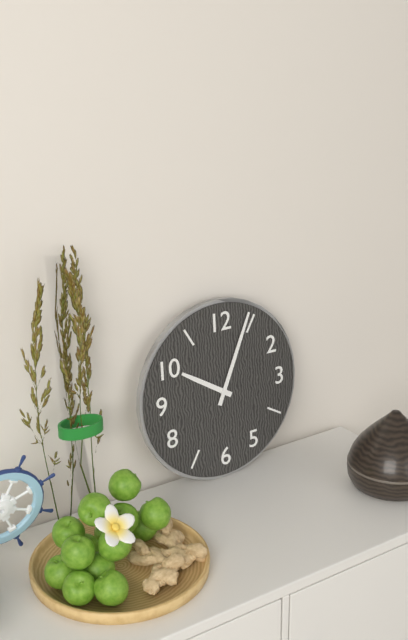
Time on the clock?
10:04
